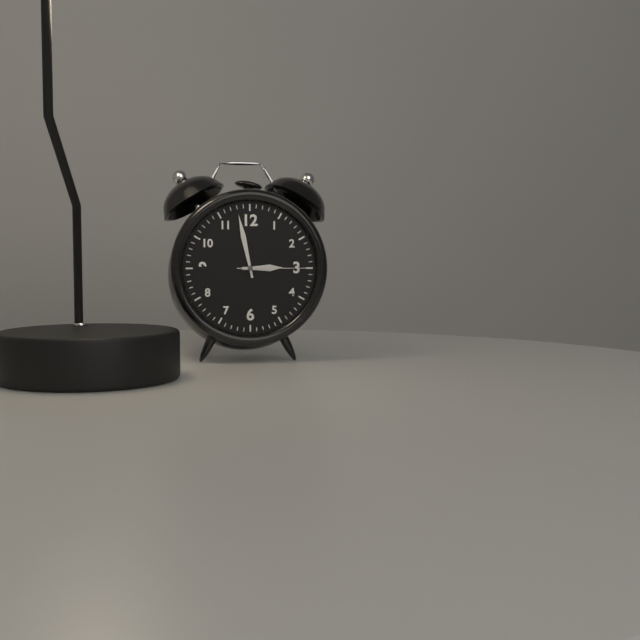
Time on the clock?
2:58:15
